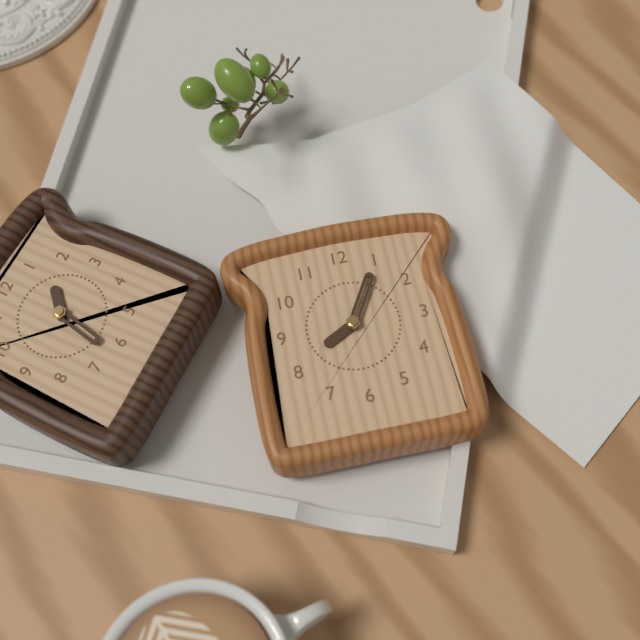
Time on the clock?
8:05
